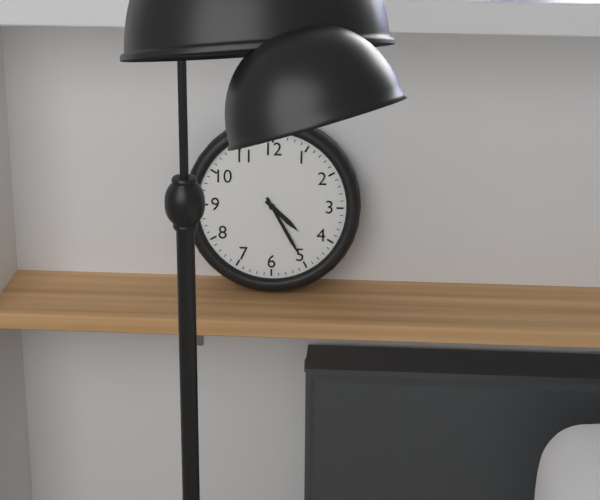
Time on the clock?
4:25
